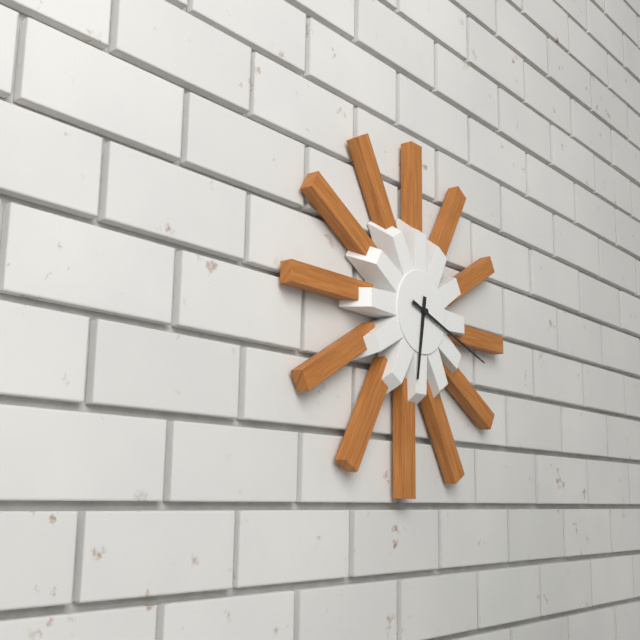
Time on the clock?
6:18
